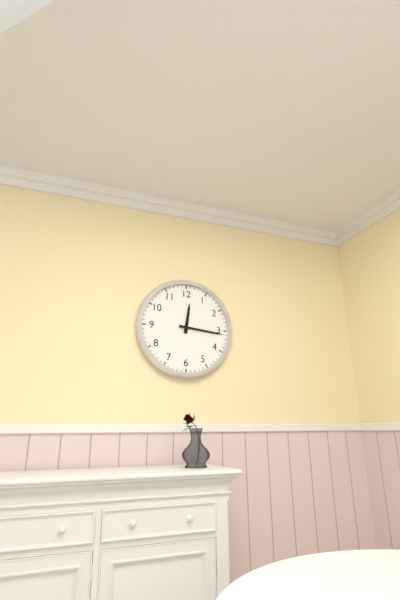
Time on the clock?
12:16
